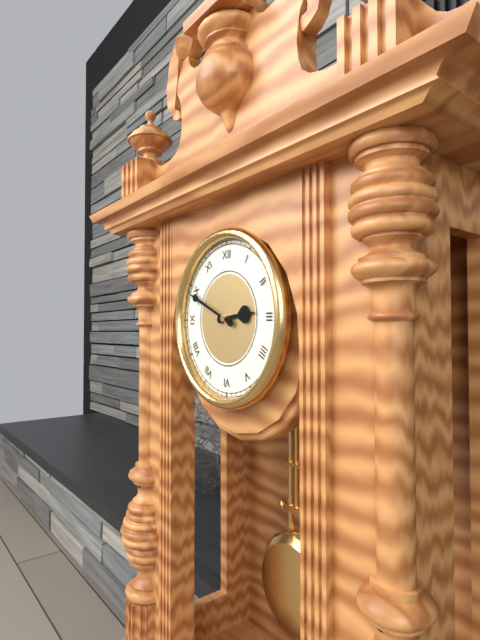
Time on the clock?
2:49
